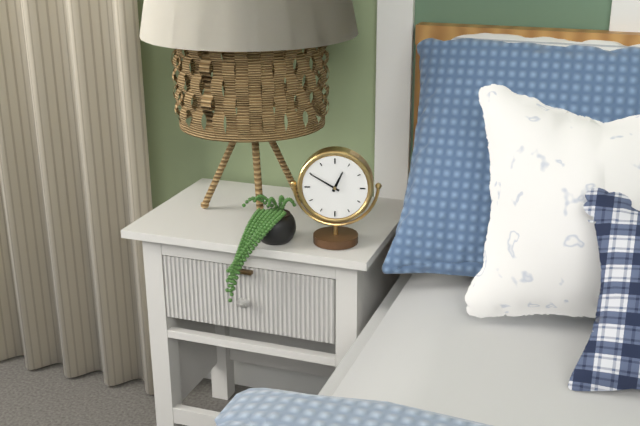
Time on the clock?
12:50
